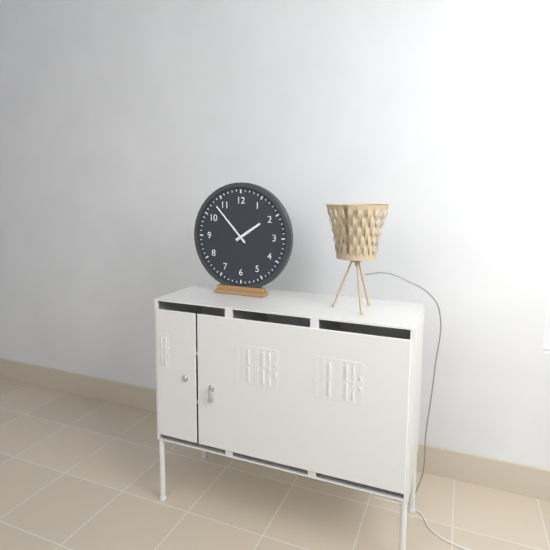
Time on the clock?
1:53
